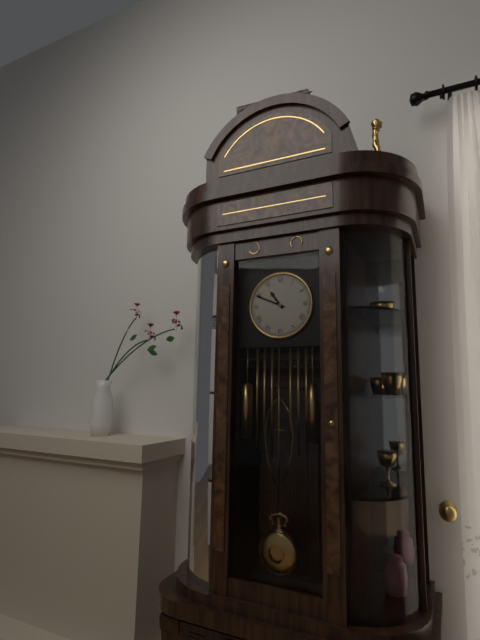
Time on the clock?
10:49
